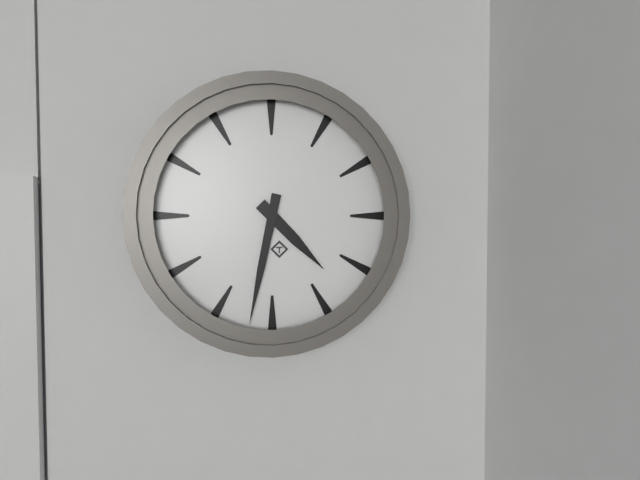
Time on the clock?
4:32
